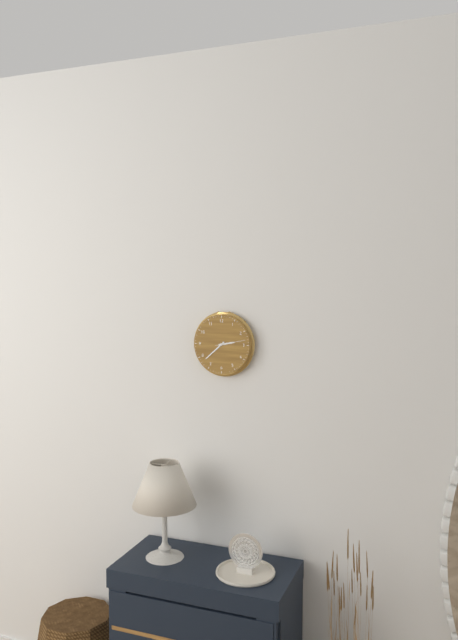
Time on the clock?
2:38
